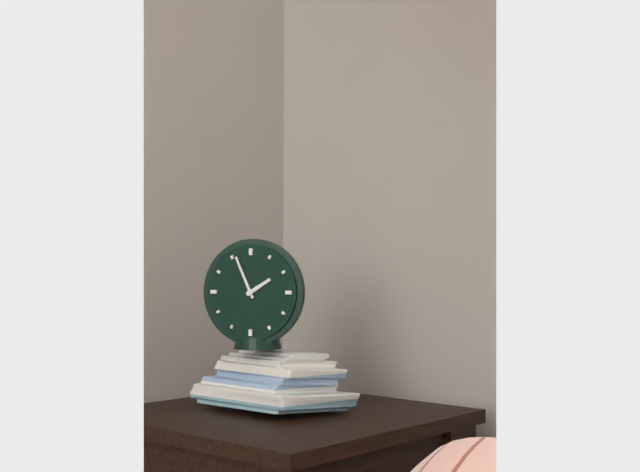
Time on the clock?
1:56
